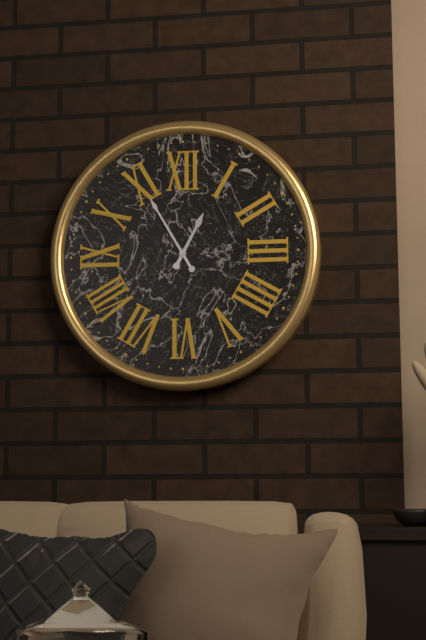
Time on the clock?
12:55
